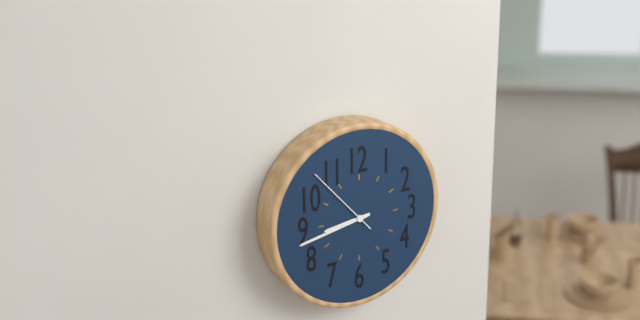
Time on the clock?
8:43:53
